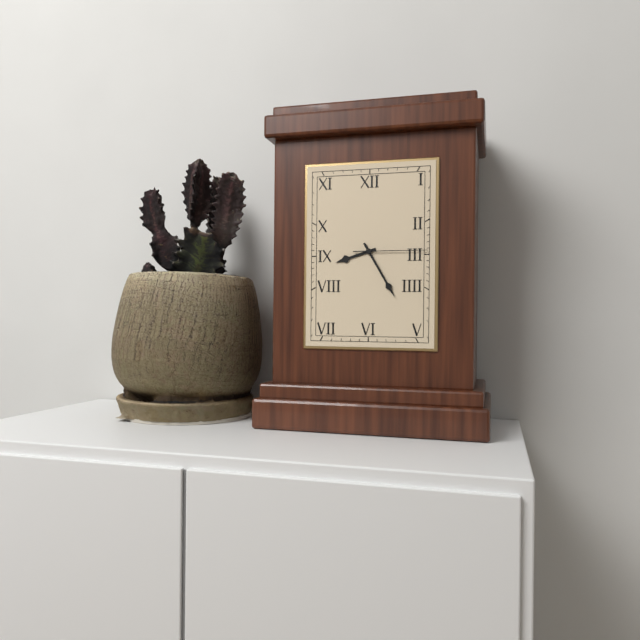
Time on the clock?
8:25
